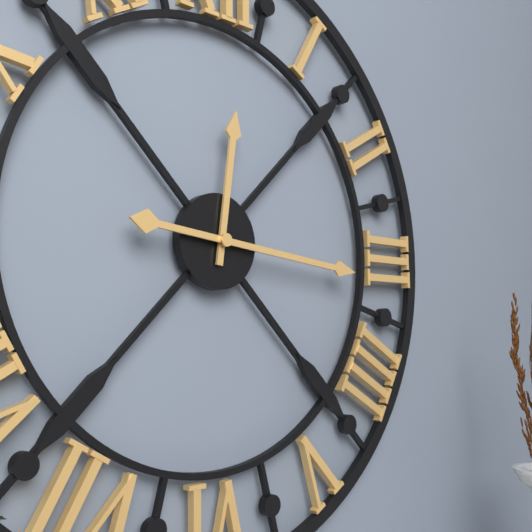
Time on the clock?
12:16
